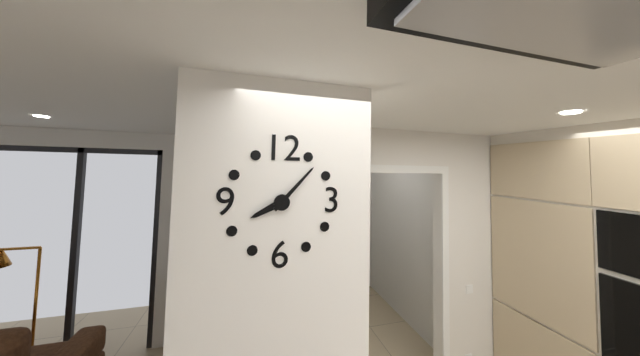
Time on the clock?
8:07
